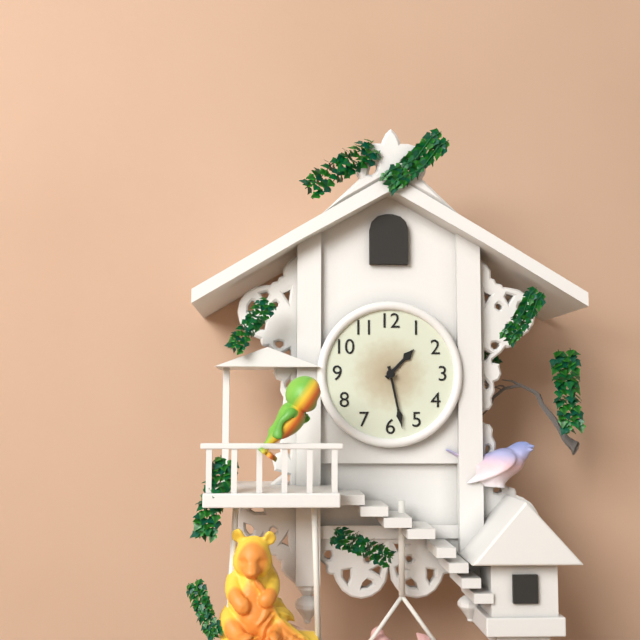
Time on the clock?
1:28
